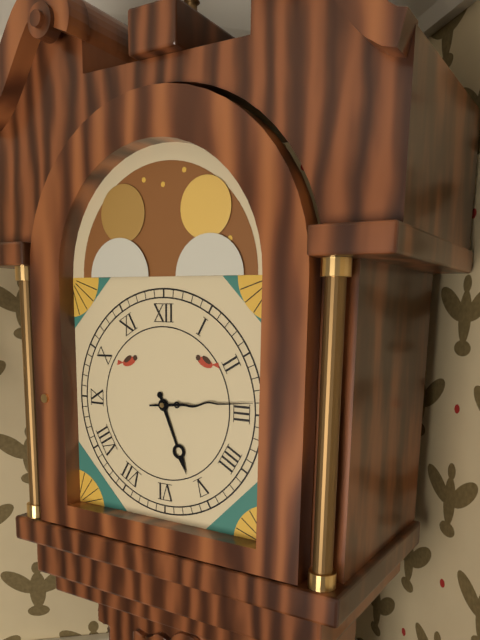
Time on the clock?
5:14
